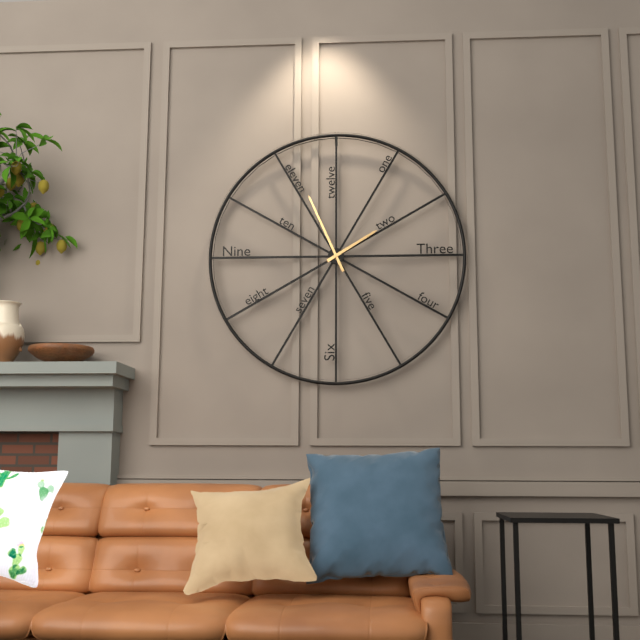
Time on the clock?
1:56
